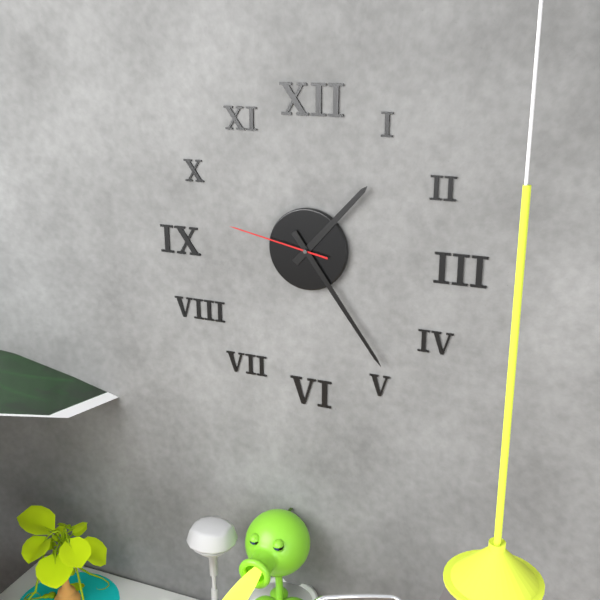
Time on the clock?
1:24:47
